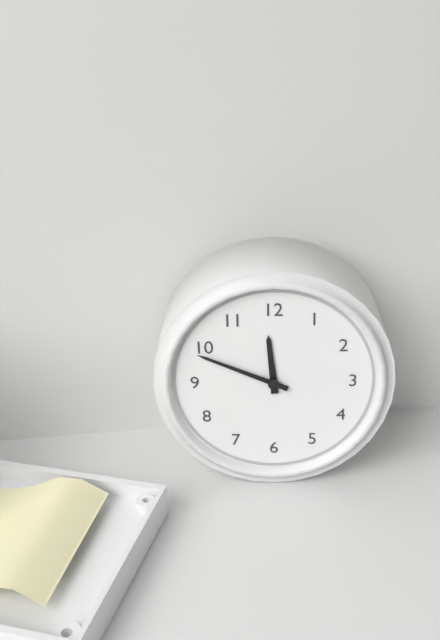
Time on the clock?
11:49
